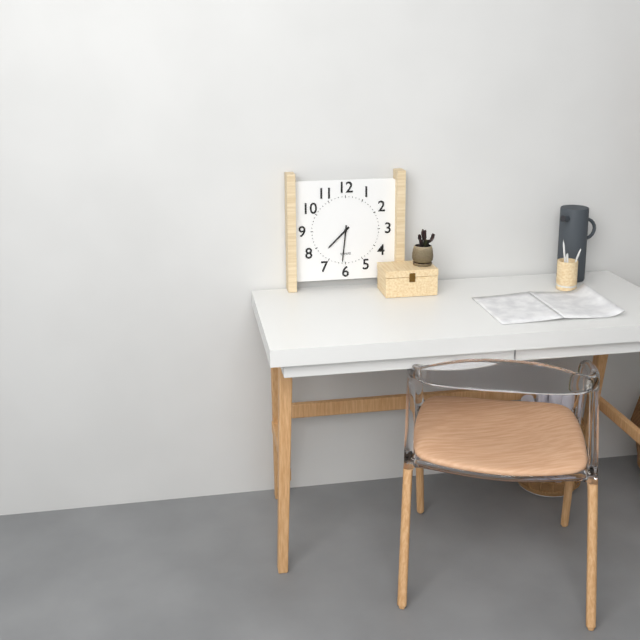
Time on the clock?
7:31
